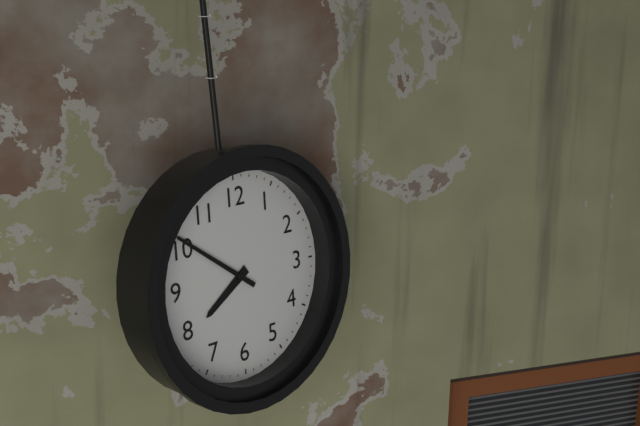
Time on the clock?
7:51
